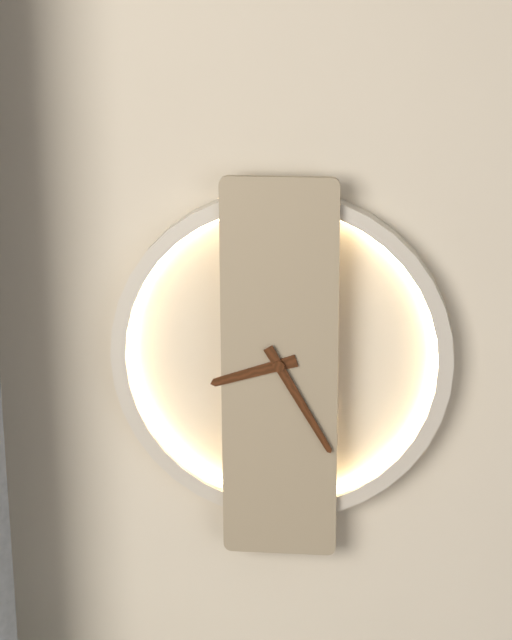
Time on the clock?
8:25
